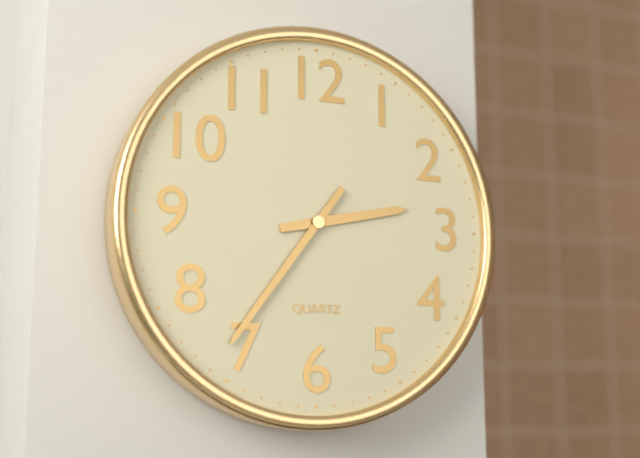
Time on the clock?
2:36
